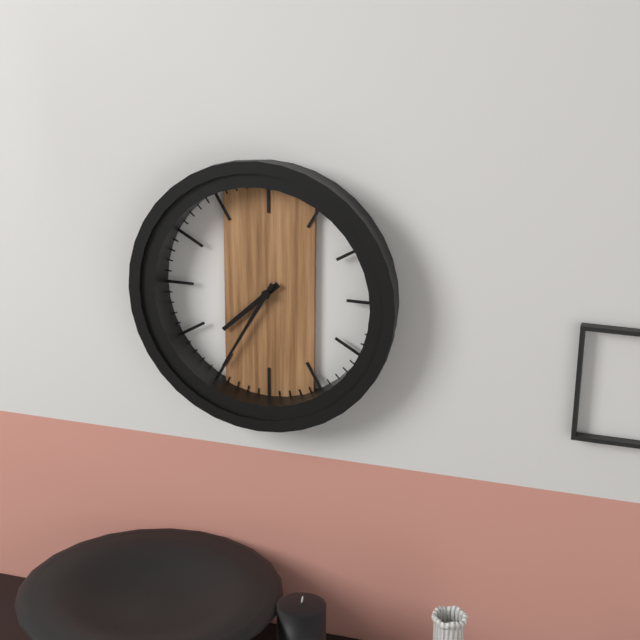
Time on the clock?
7:35
